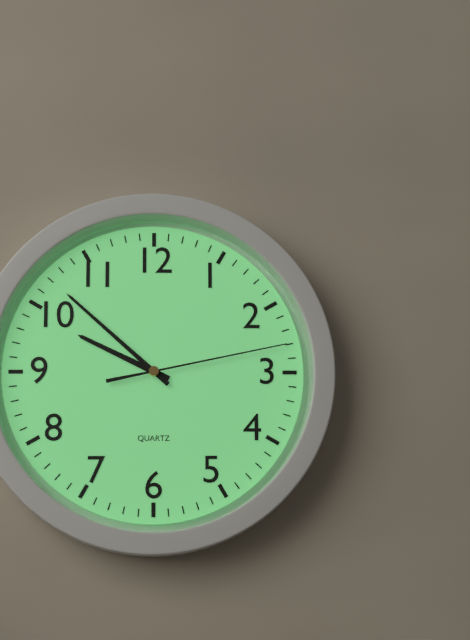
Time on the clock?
9:52:13
